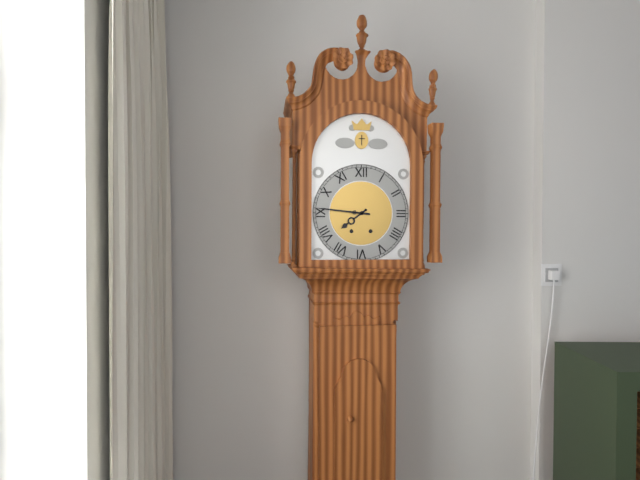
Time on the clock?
7:46
